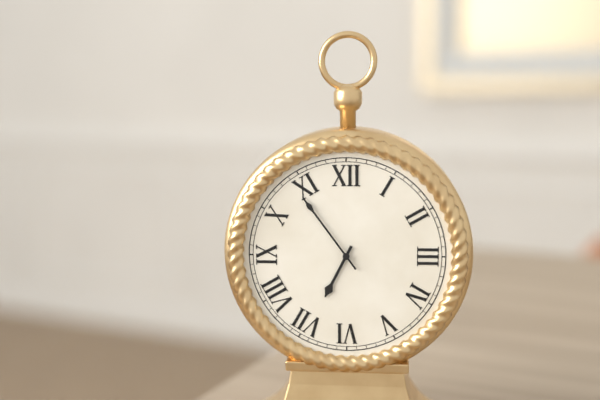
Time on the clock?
6:54
